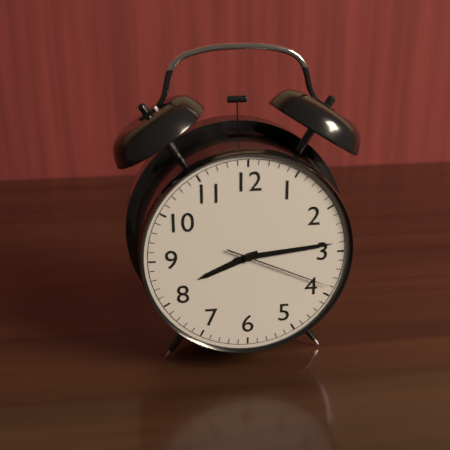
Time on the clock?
8:14:19
